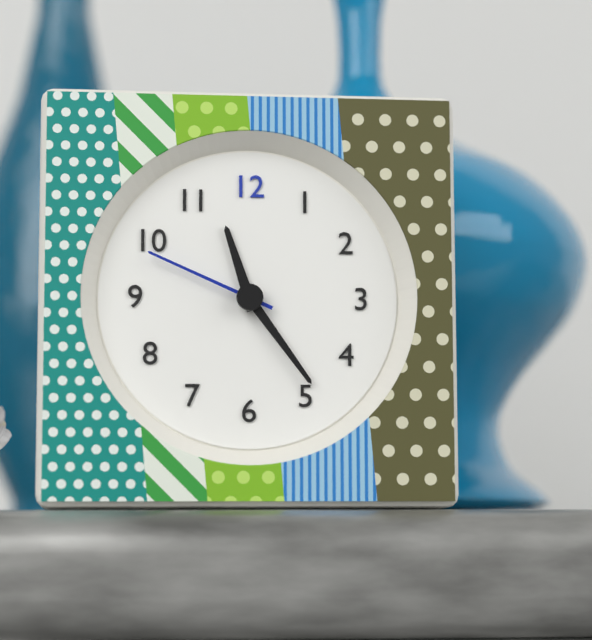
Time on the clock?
11:24:49
